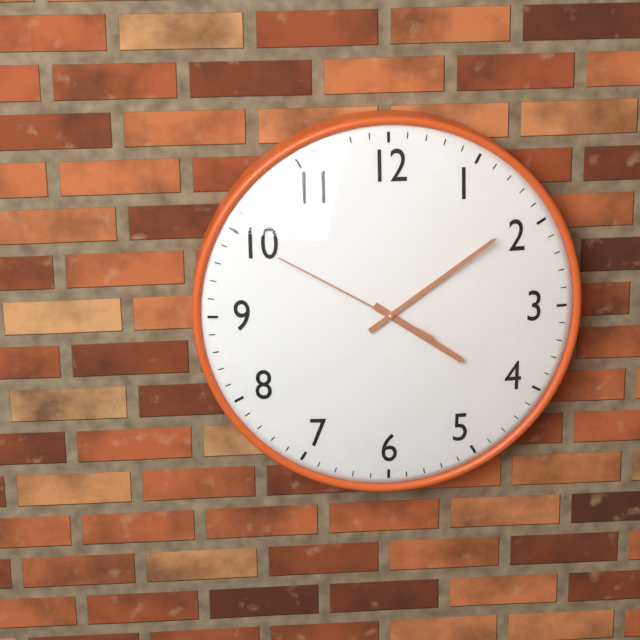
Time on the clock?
4:09:50
